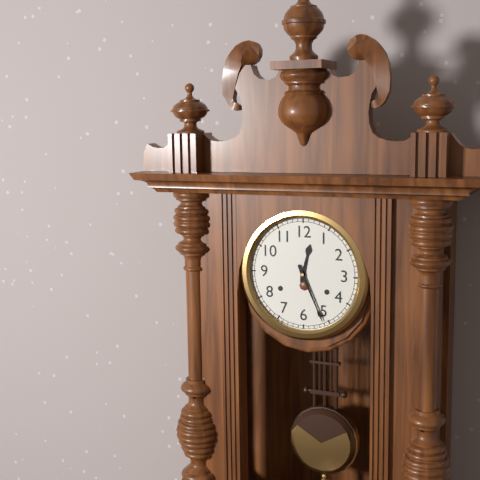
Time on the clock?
12:26
